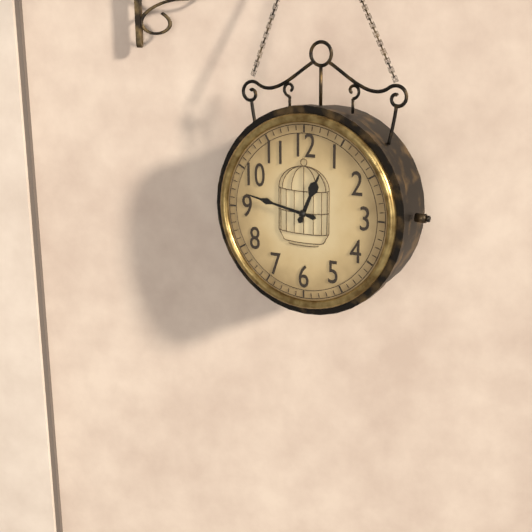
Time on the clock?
12:47
